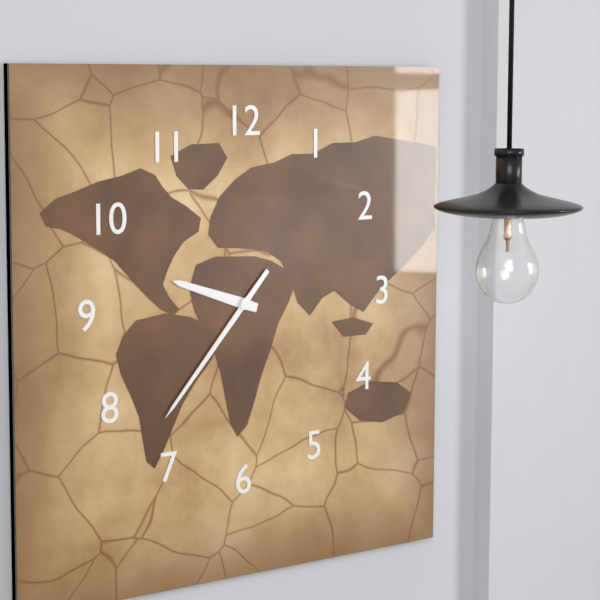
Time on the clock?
9:37
